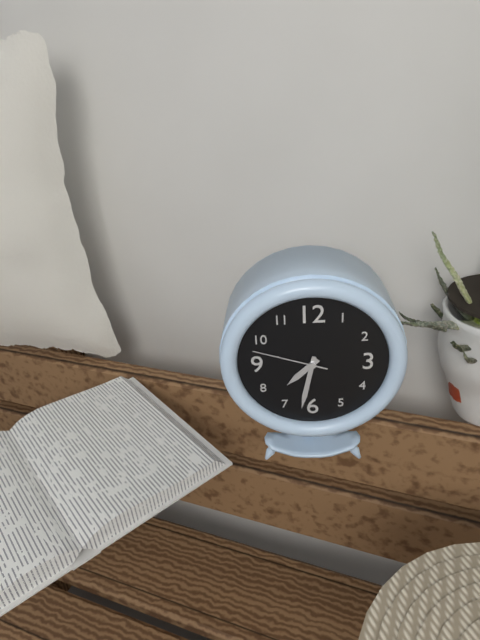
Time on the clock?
7:32:48
